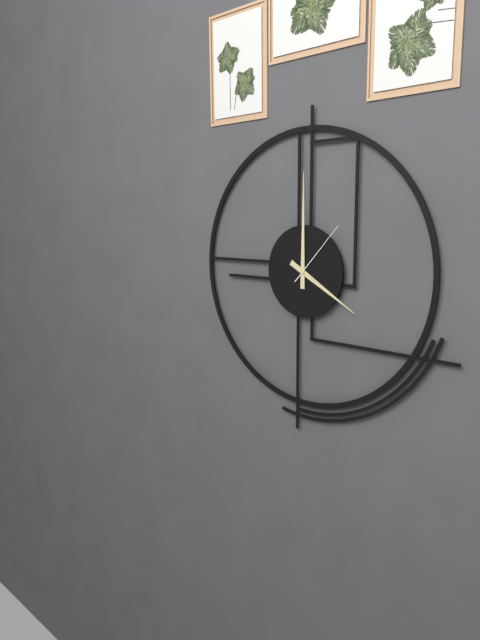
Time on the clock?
4:00:07
